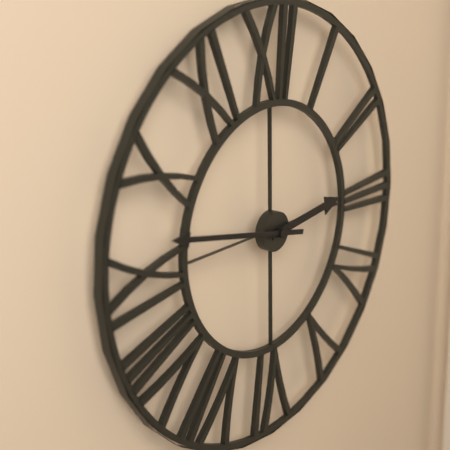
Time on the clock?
2:47
